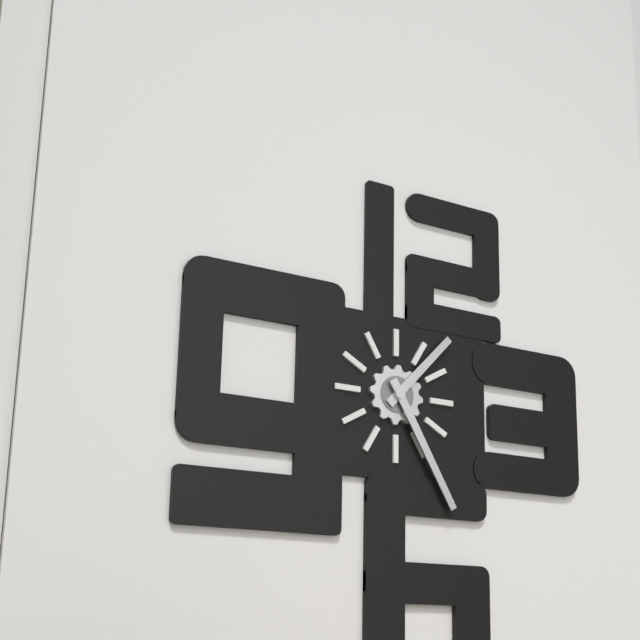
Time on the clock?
1:25
